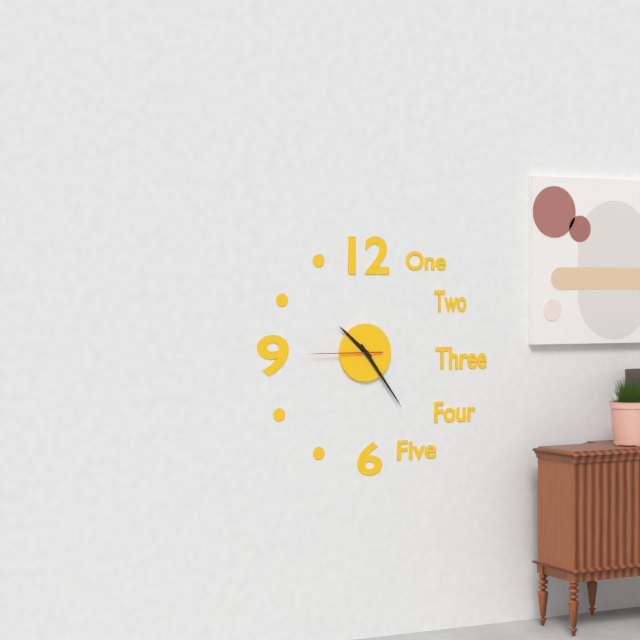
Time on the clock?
10:24:45
